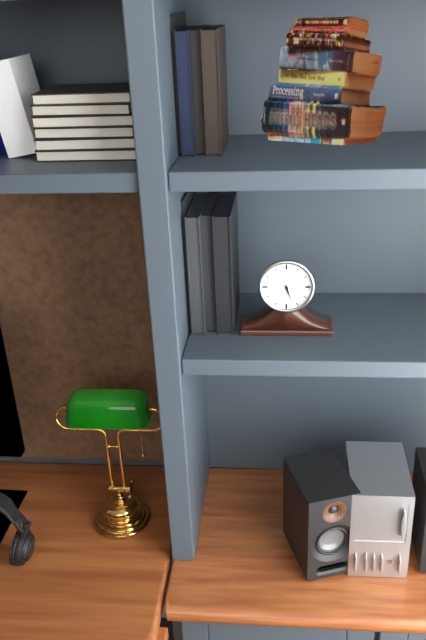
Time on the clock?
5:27
